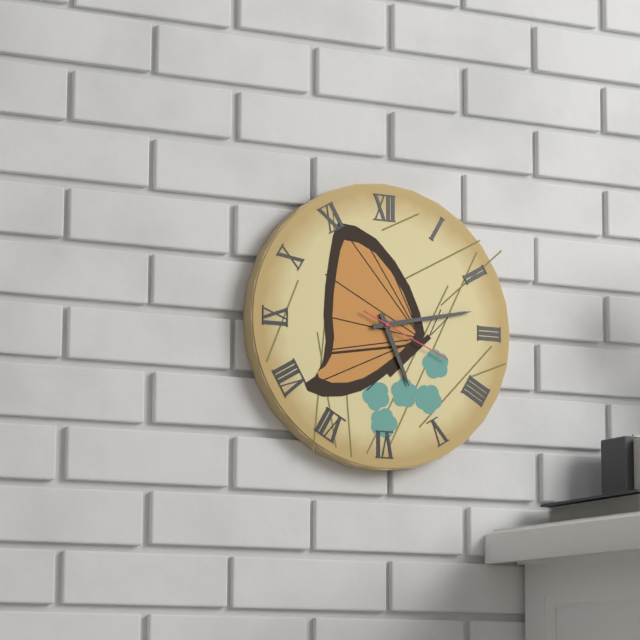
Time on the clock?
5:13:19
